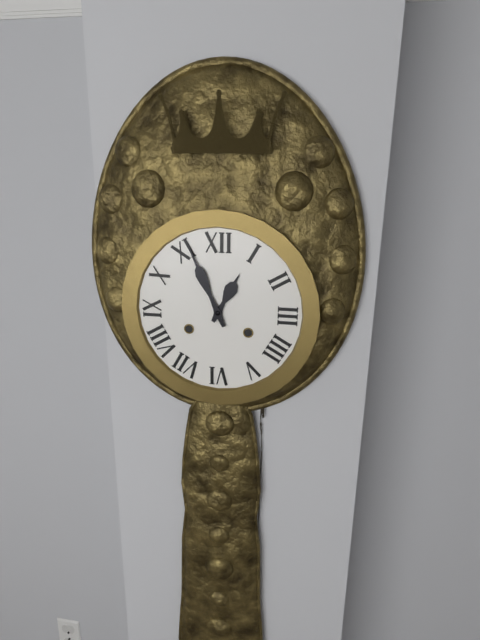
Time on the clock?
12:56
